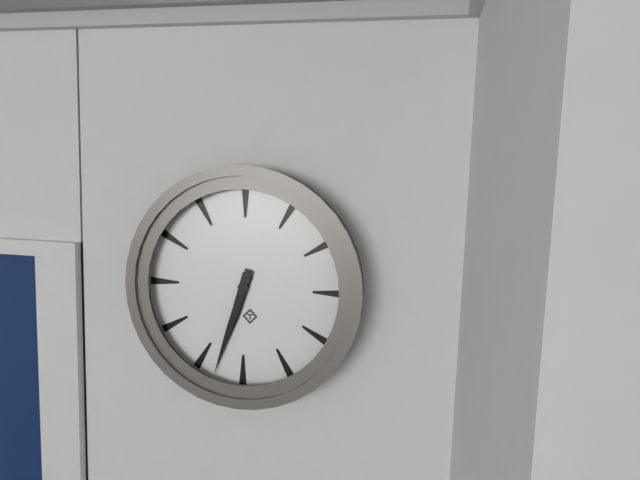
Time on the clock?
6:33
